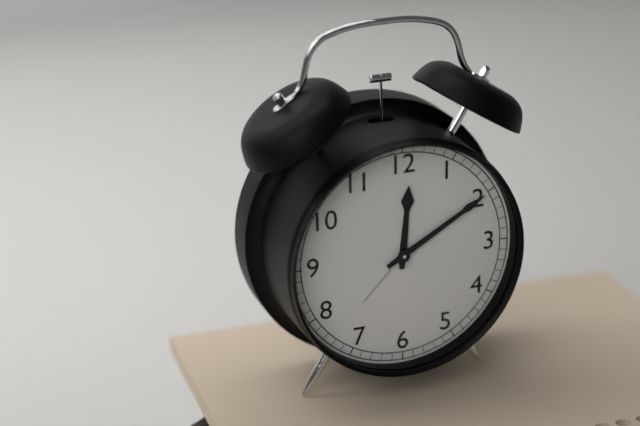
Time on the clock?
12:10
